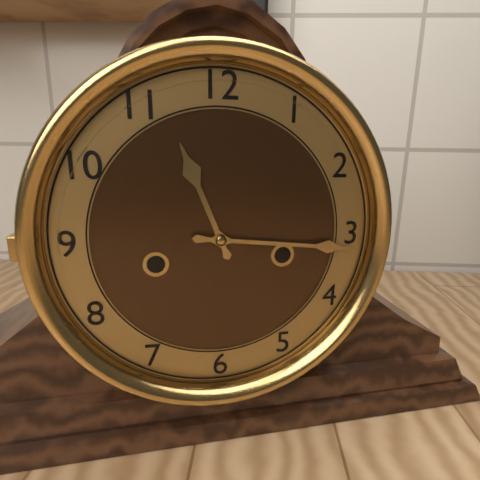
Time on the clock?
11:16
